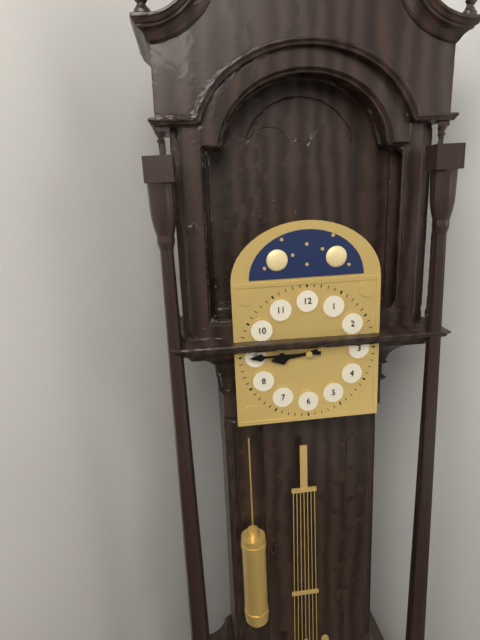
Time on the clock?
8:45
